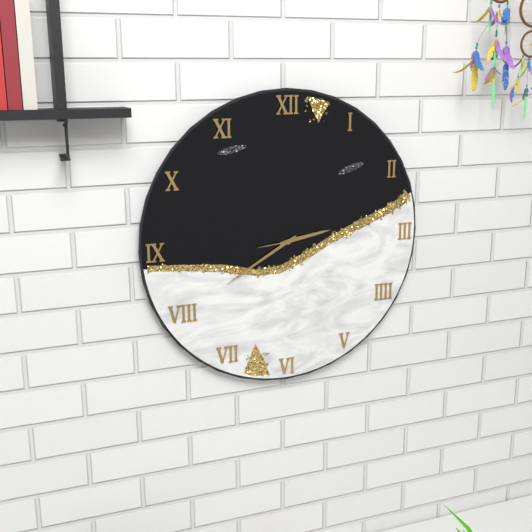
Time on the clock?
2:40
